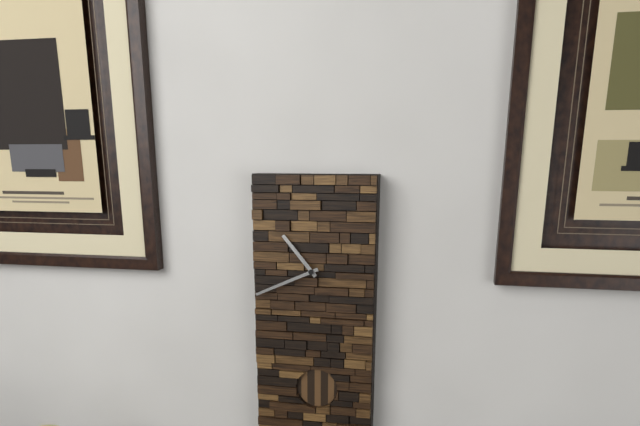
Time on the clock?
10:41
